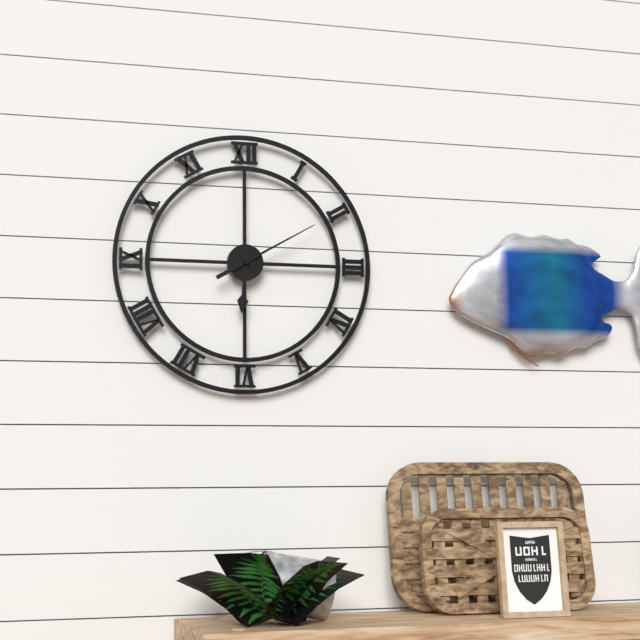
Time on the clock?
6:10
